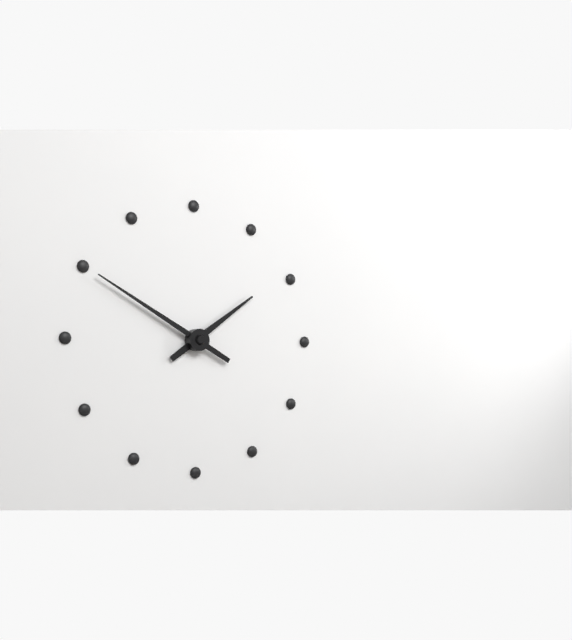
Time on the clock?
1:50
